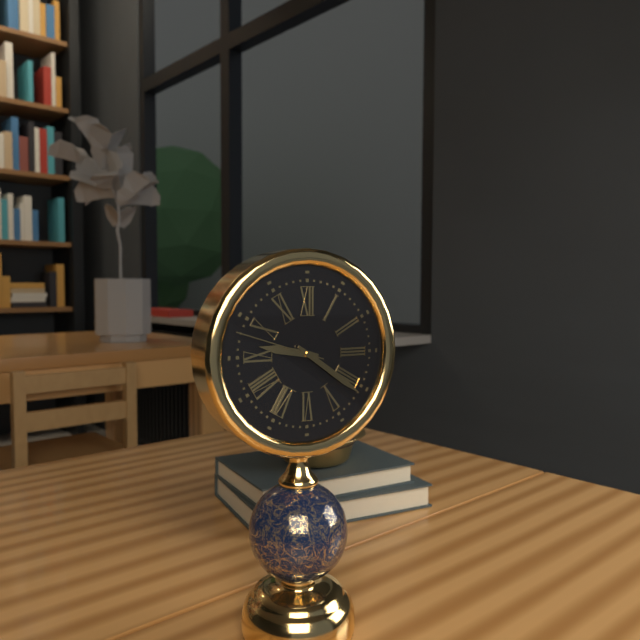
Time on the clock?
9:21:48
